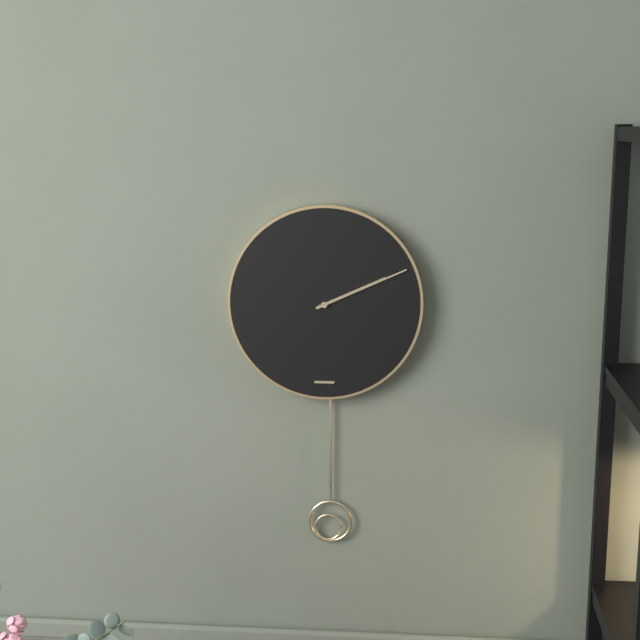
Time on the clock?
2:11
